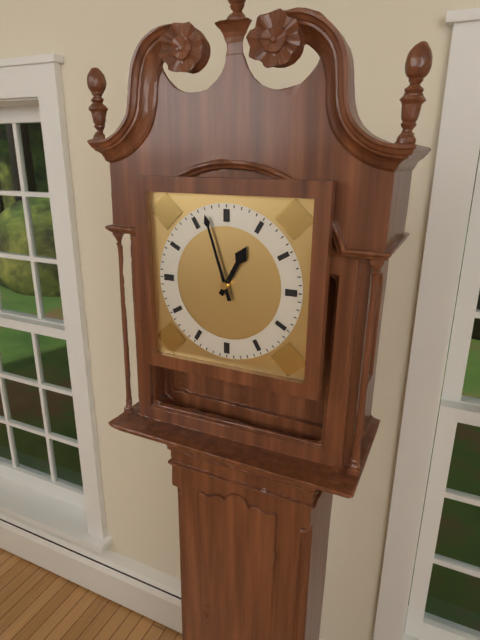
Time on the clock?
12:57
